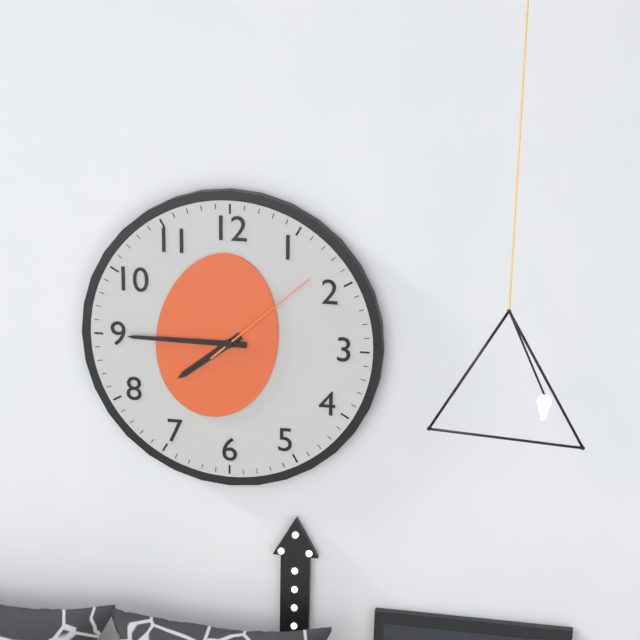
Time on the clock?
7:45:08
